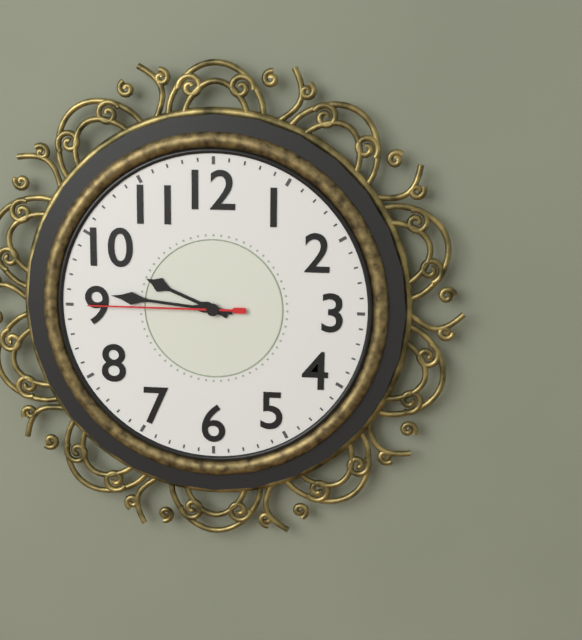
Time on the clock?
9:46:45
